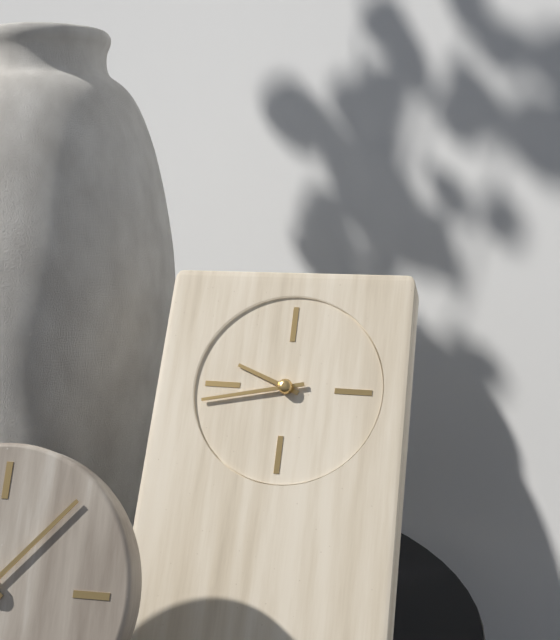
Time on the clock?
9:43
